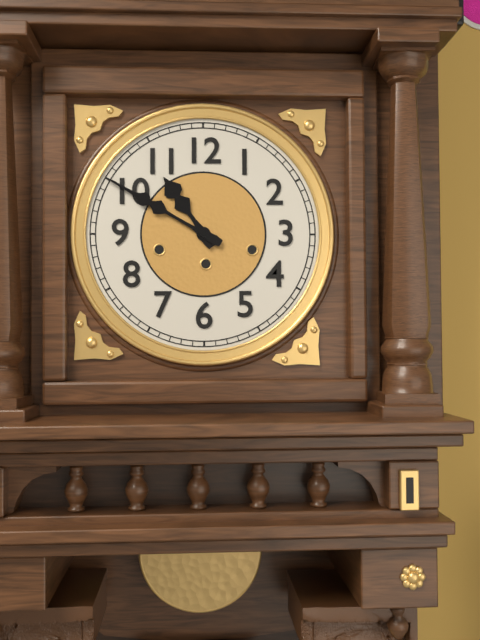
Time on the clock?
10:50
